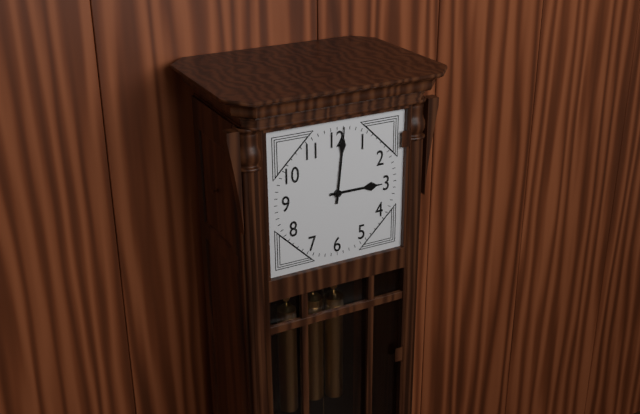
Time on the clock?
3:01
